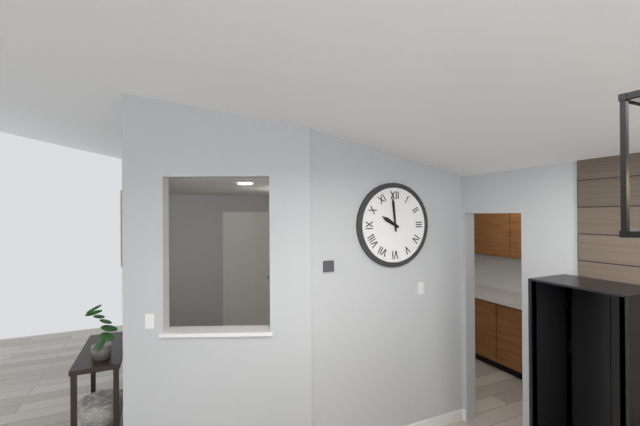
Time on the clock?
9:59
